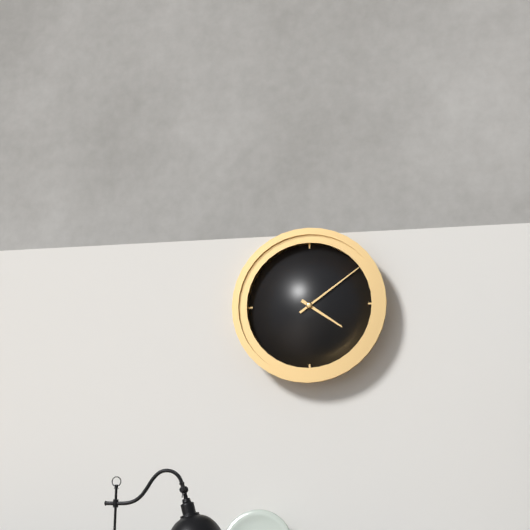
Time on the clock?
4:09
